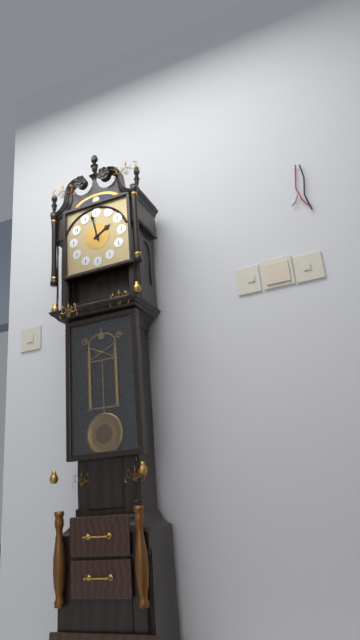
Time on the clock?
1:58
